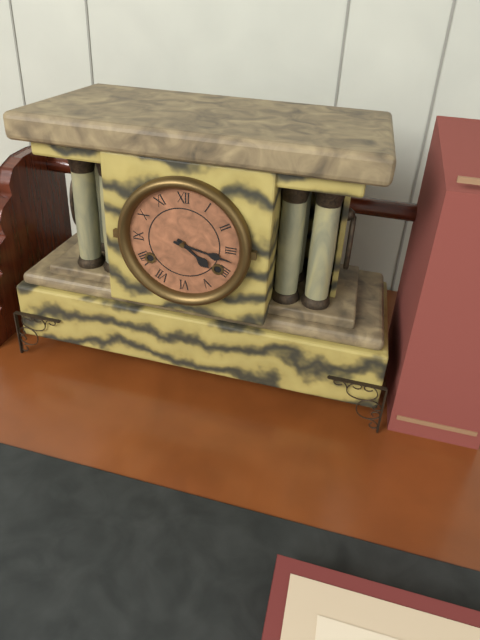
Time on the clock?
4:17
